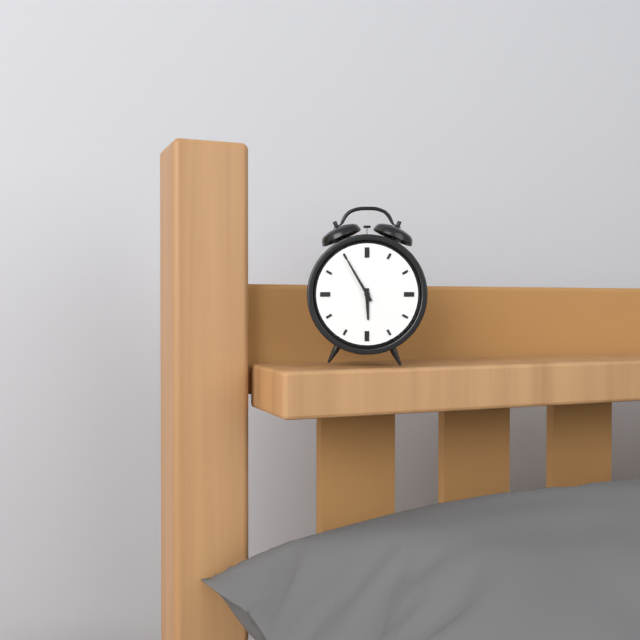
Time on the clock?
5:55
